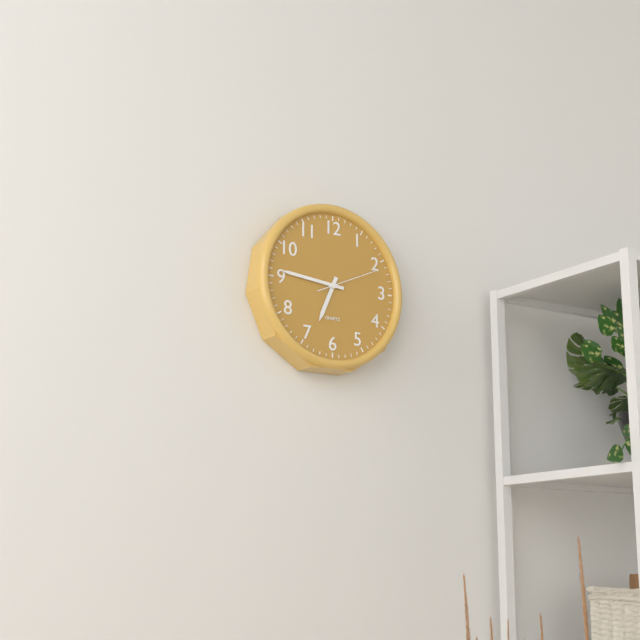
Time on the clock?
6:46:11
